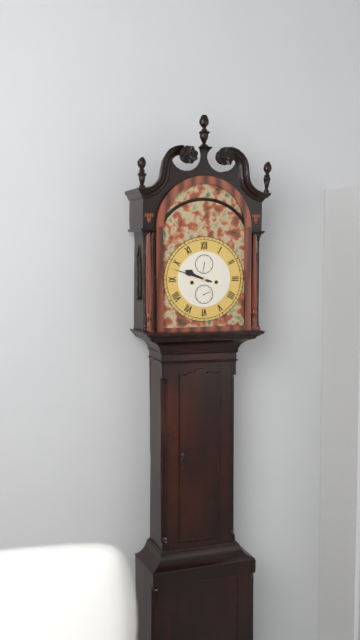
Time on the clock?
9:48
